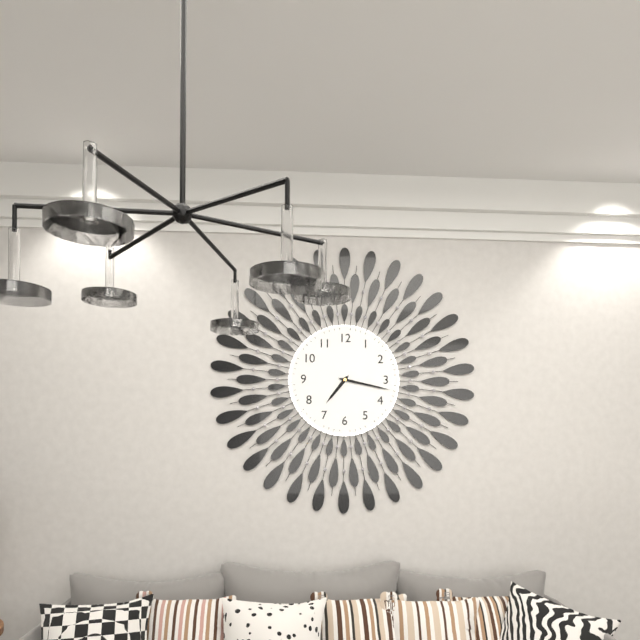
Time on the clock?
7:17
